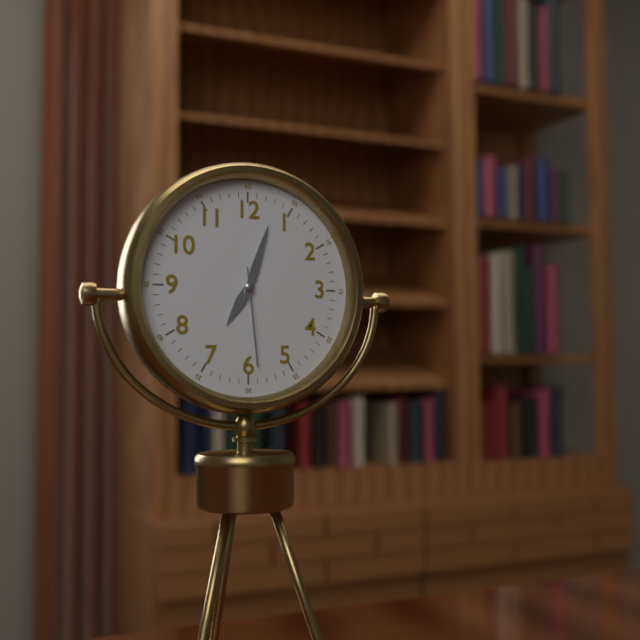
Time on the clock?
7:03:29
